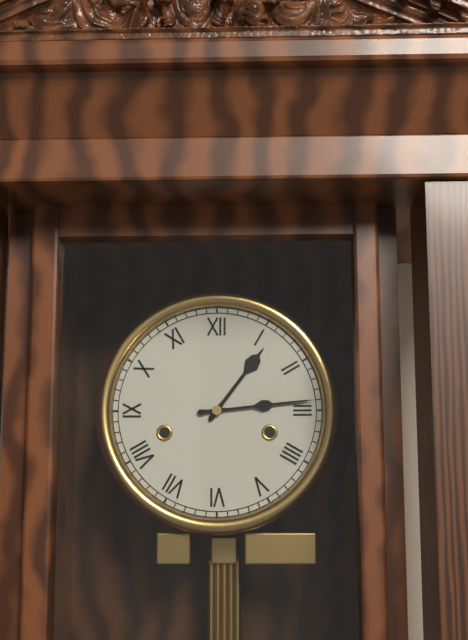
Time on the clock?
1:14
